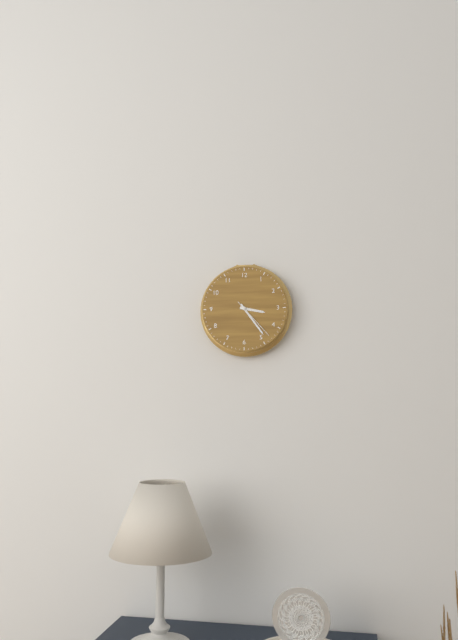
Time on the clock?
3:24
